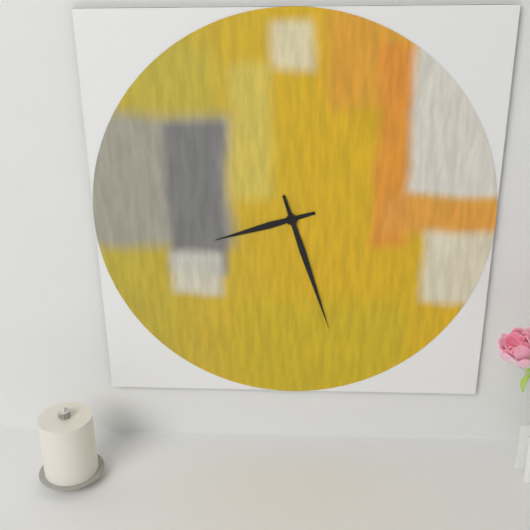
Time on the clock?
8:27
